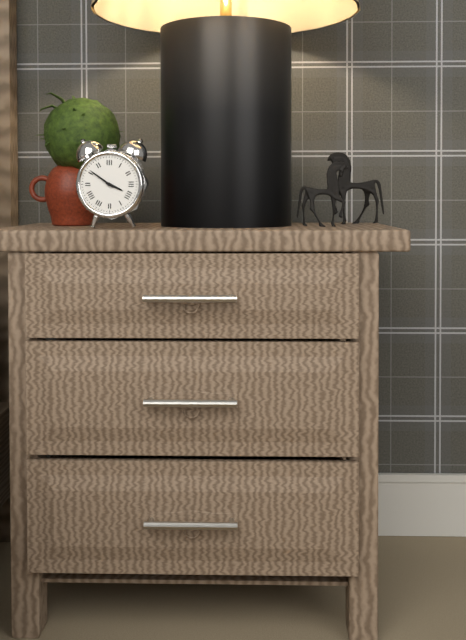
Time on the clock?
3:51
